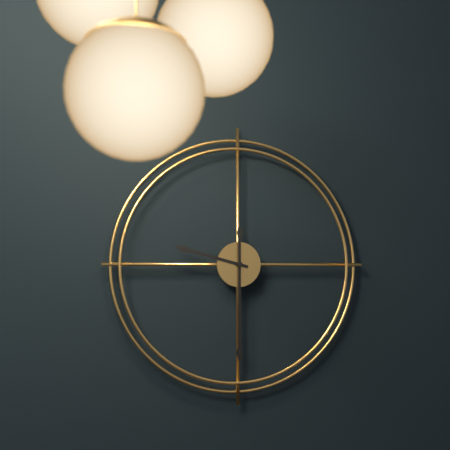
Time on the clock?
9:30
